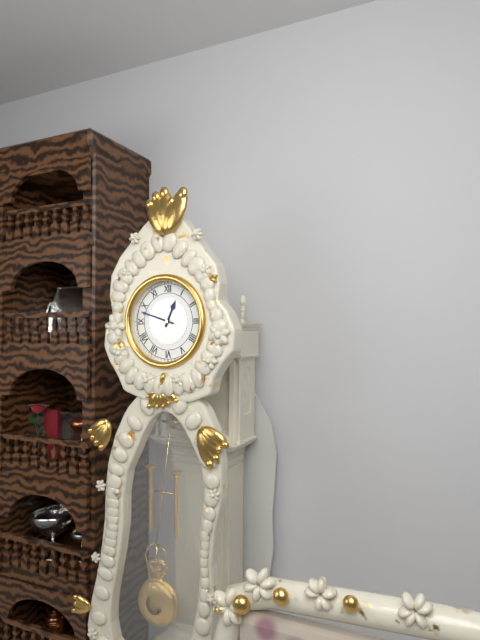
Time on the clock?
12:48
